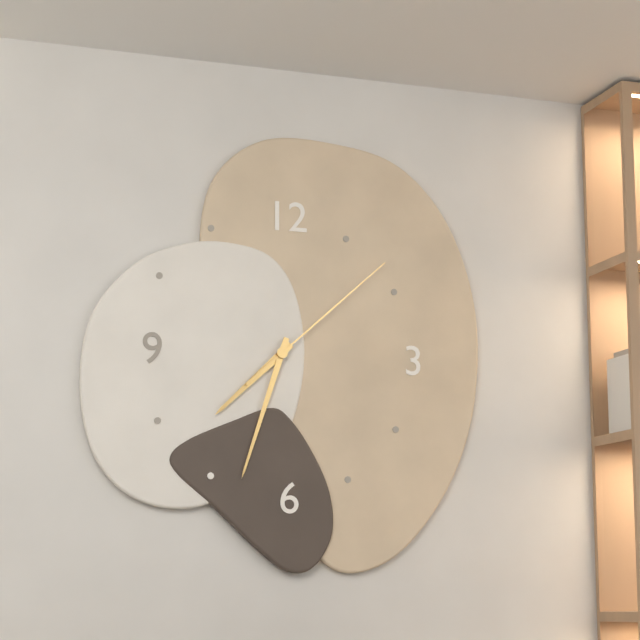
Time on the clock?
7:33:08
